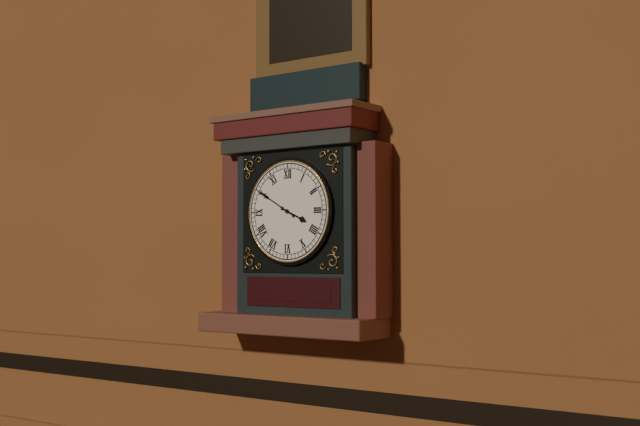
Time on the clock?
3:50
